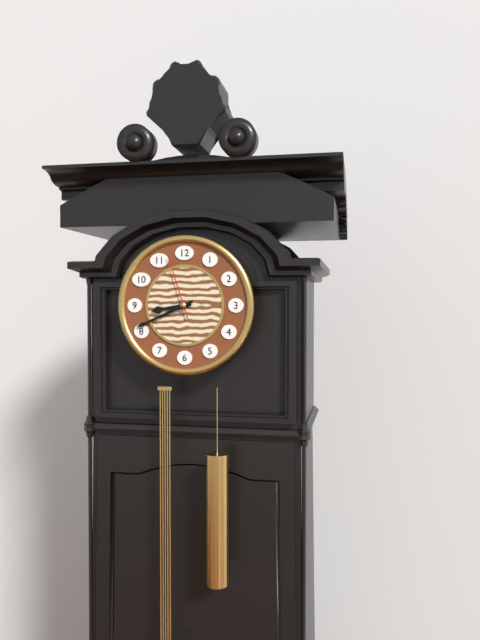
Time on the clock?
8:41:57
